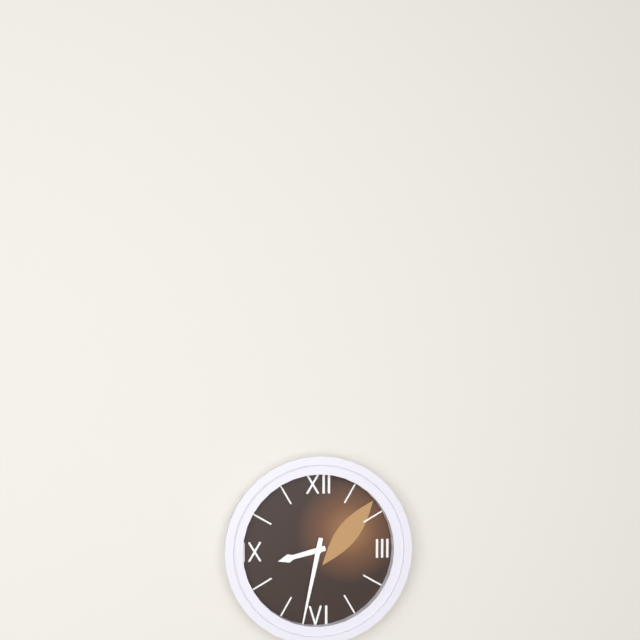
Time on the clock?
8:32
